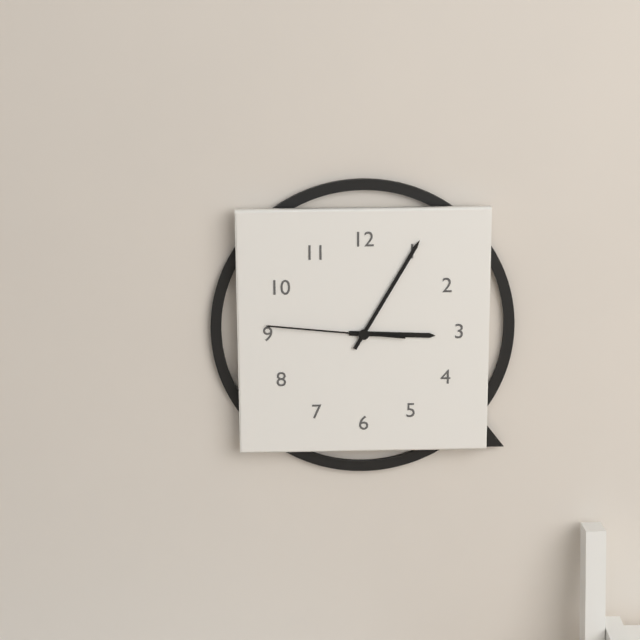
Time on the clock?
3:05:46
